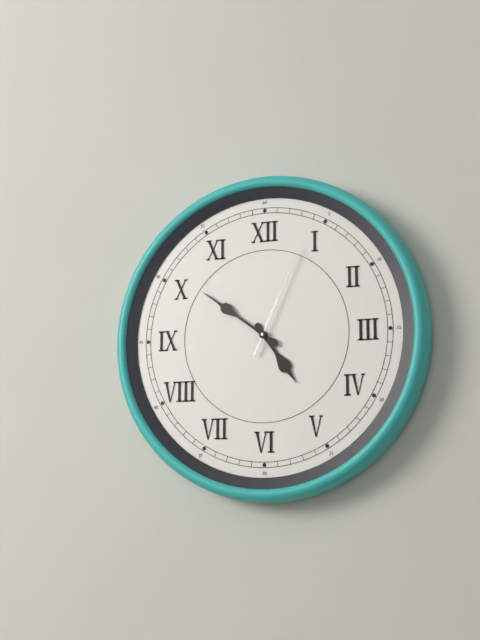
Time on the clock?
4:51:04
